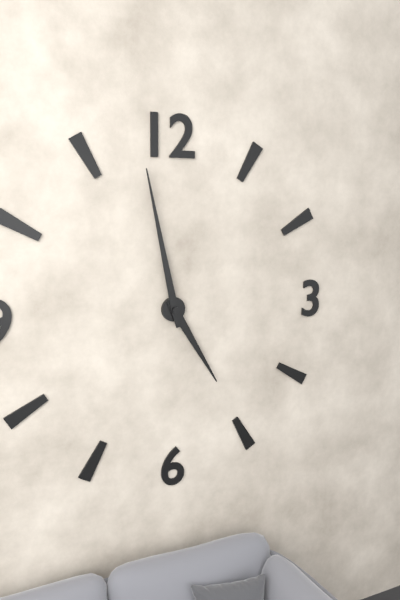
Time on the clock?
4:58
